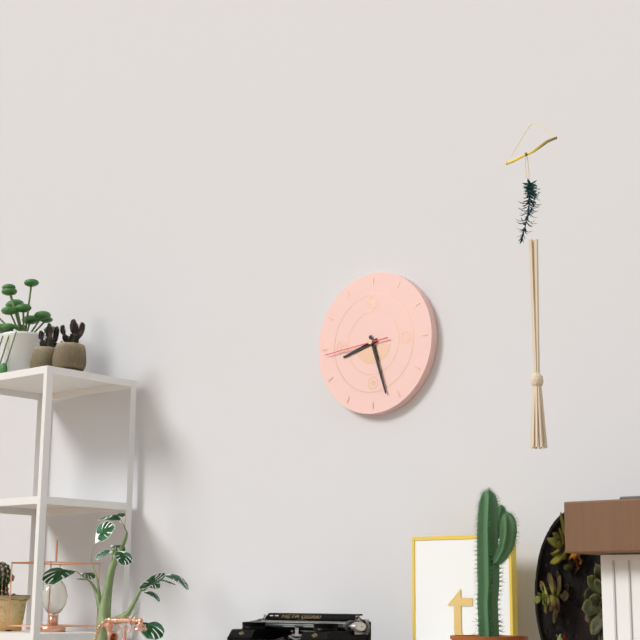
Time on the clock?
8:27:44
